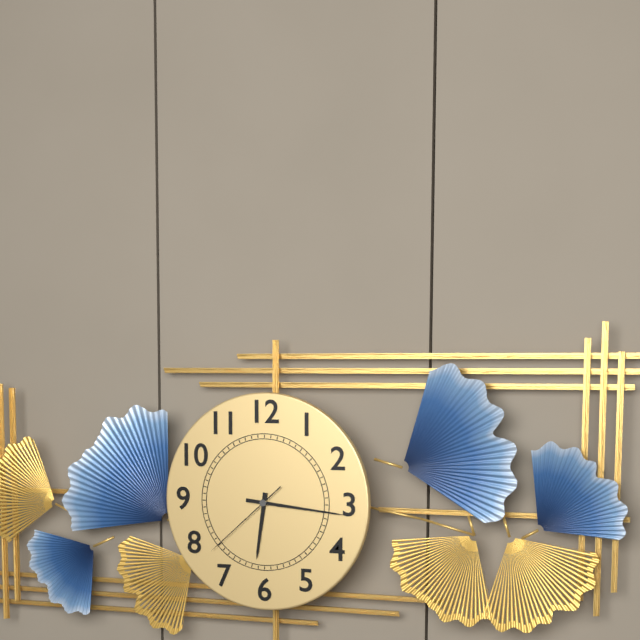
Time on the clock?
6:16:38
